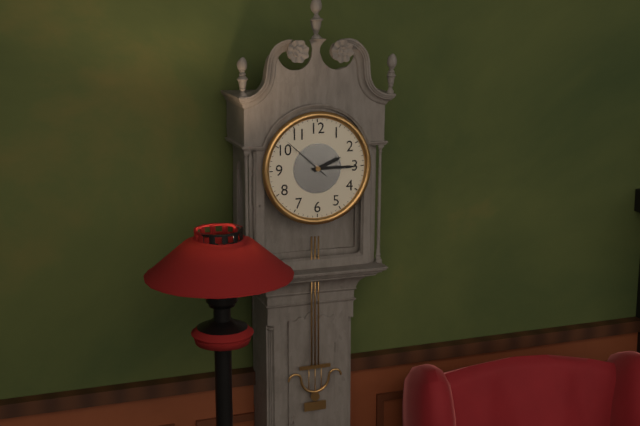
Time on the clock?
2:15:52
